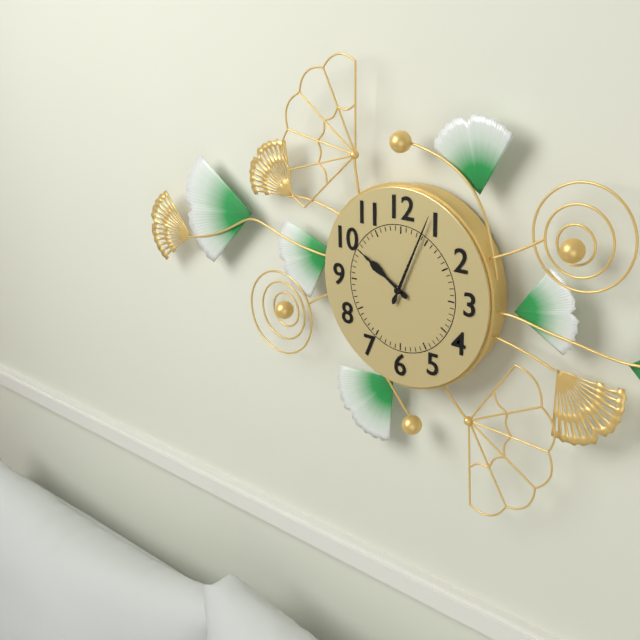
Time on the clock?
10:04
